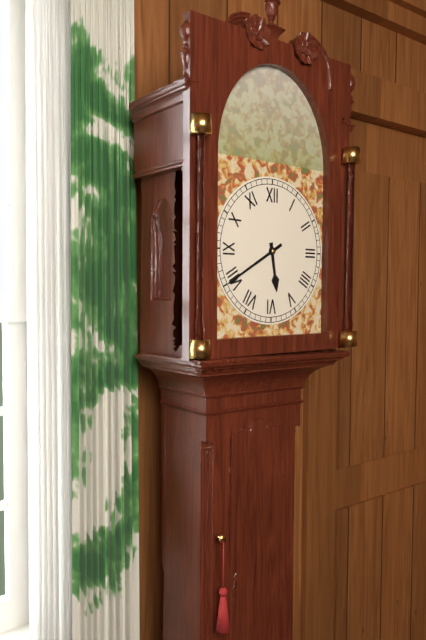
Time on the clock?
5:40
